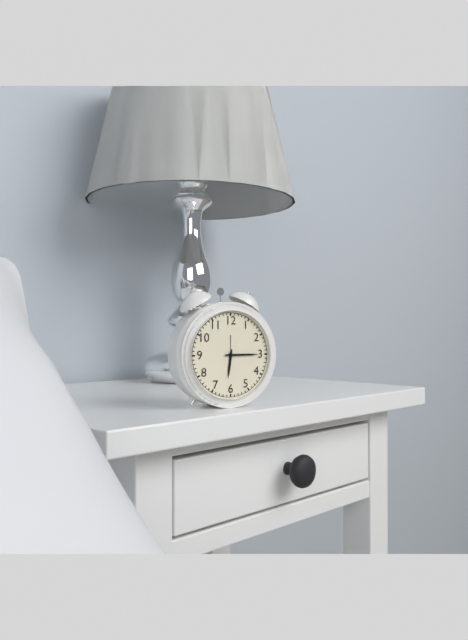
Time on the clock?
6:15
